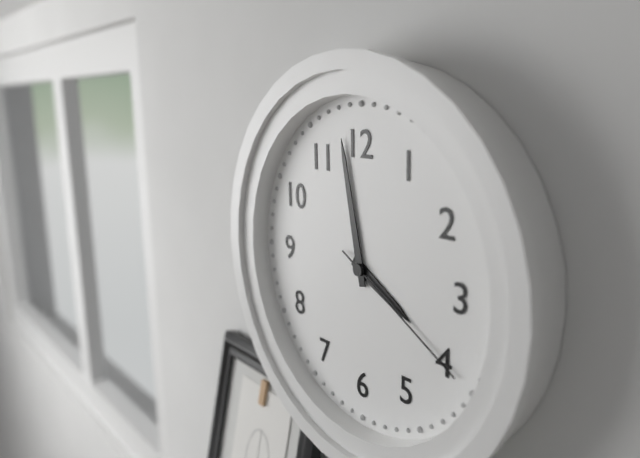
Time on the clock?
3:58:20
